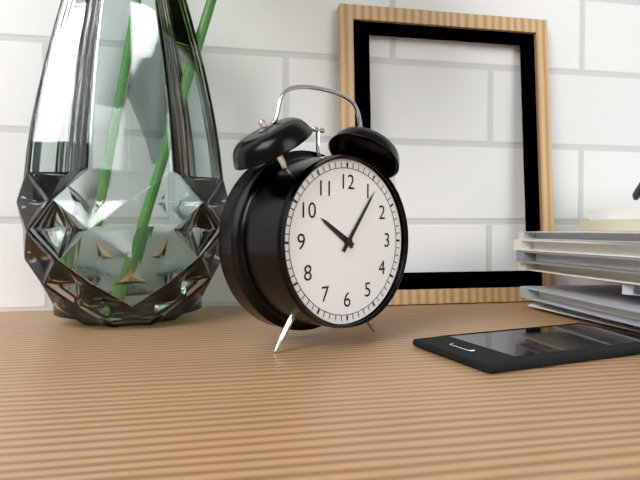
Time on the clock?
10:06
